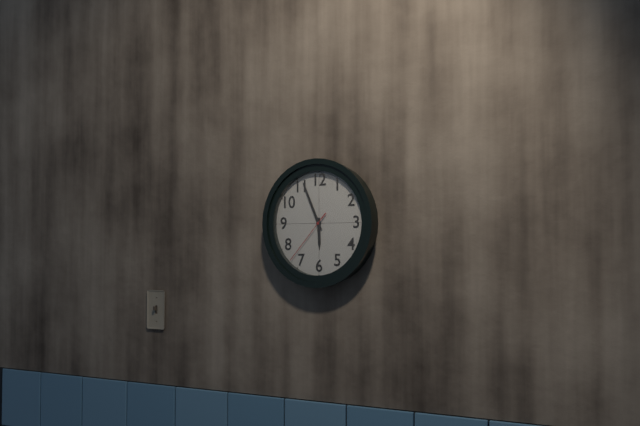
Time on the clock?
5:56:37
